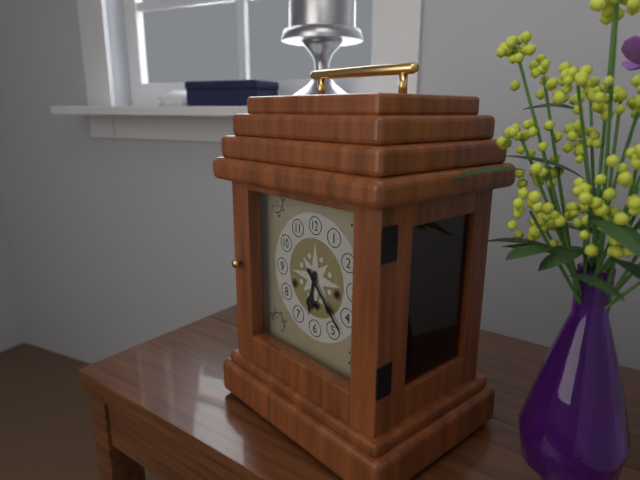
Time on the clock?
6:23
